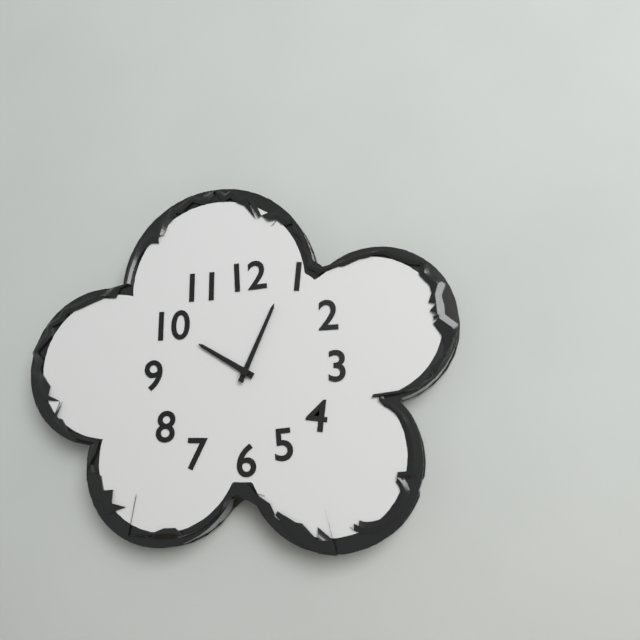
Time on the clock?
10:04
